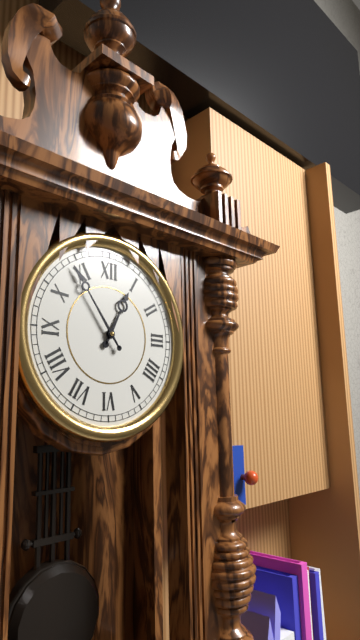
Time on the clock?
12:54
